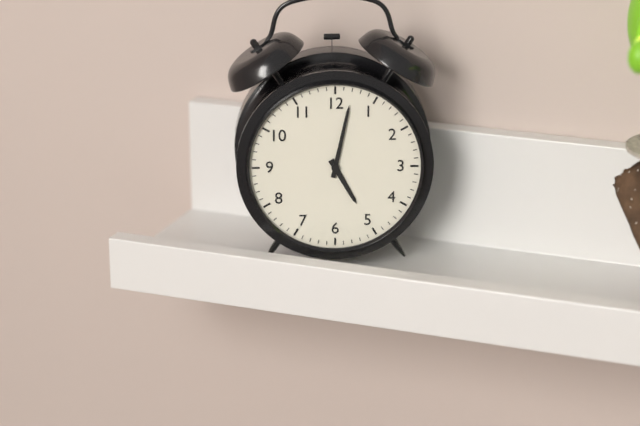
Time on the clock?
5:02
